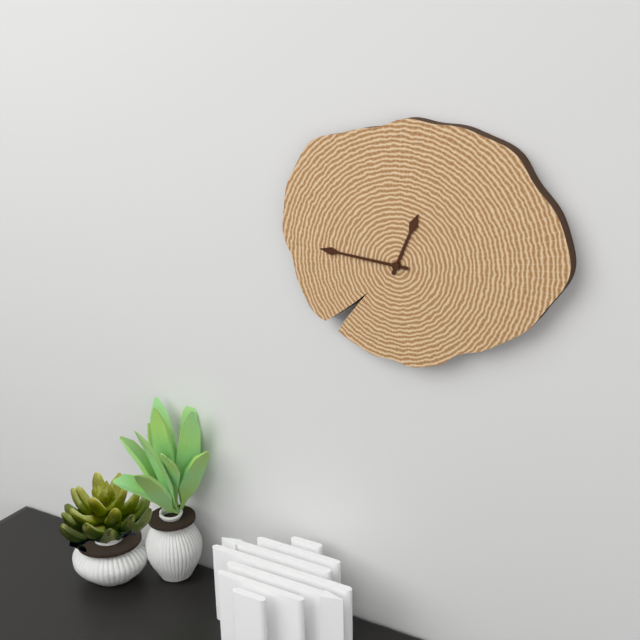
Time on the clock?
12:46
